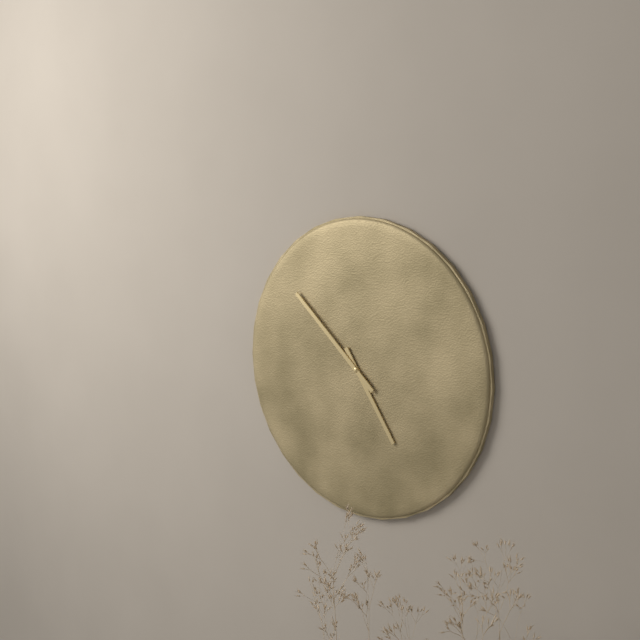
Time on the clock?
4:52
